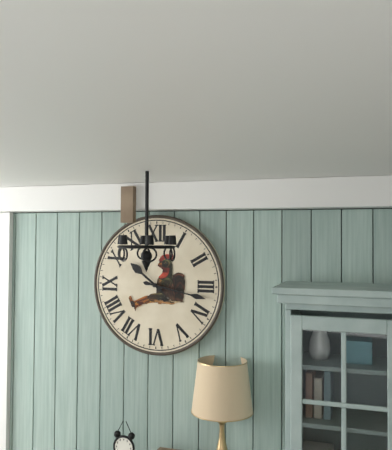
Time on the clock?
10:17
